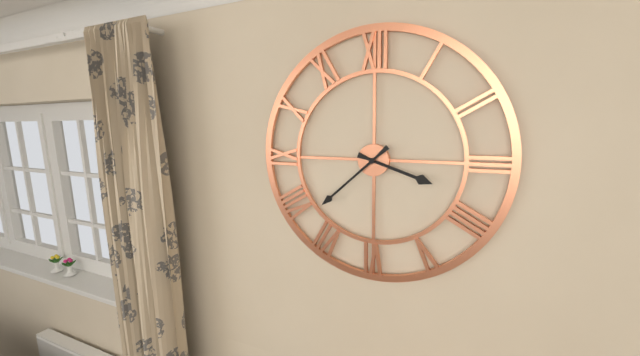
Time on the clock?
3:38
